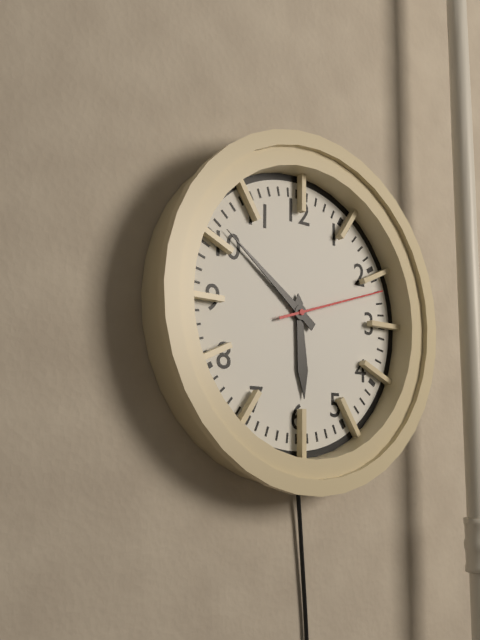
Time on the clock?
5:51:12
